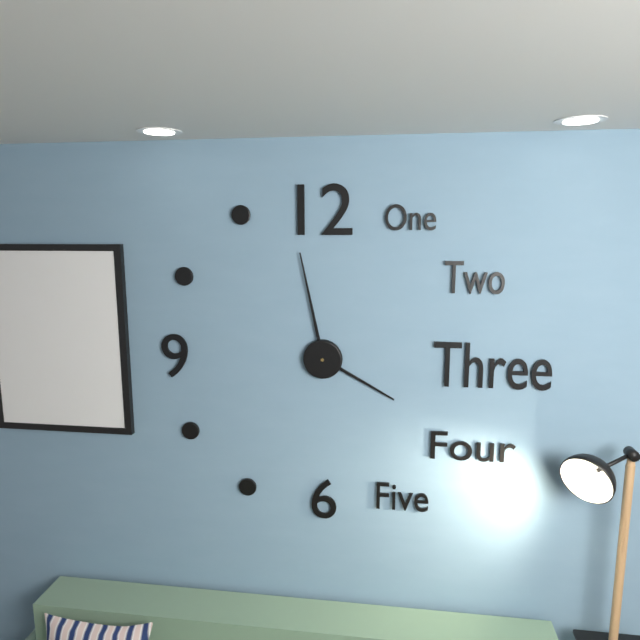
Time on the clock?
3:58
